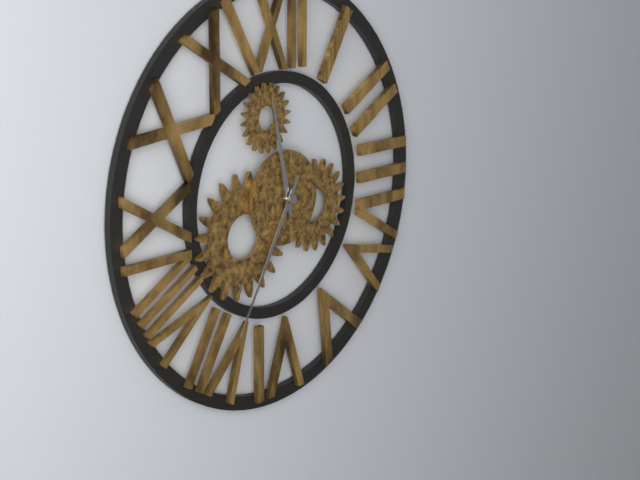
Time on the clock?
11:35
